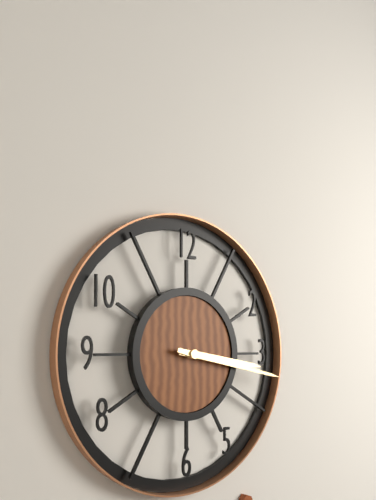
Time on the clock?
3:17
